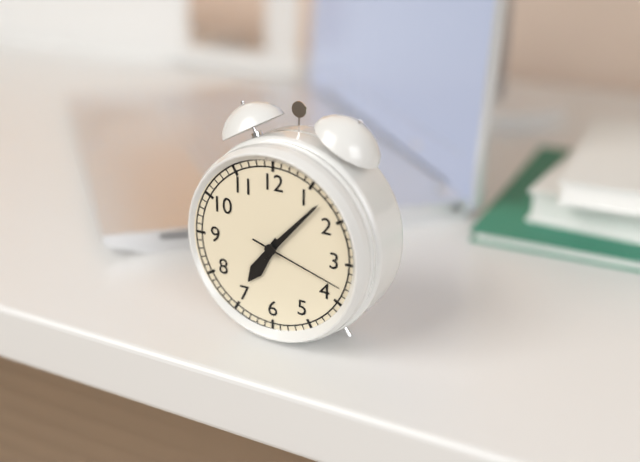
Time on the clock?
7:07:18
